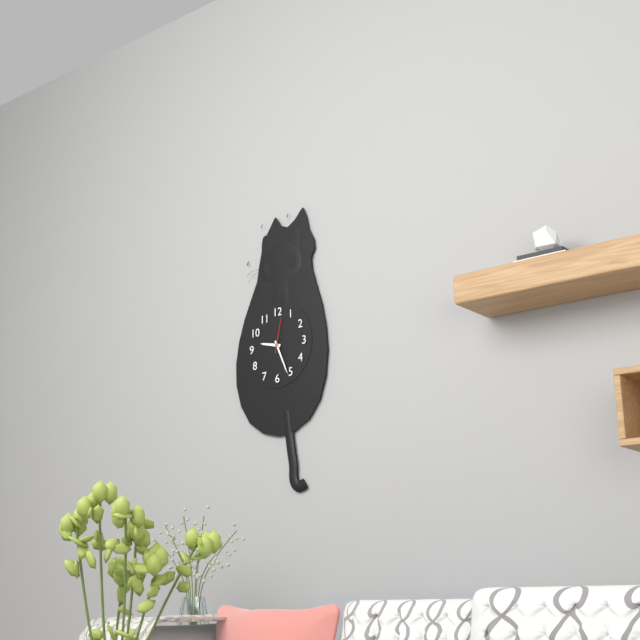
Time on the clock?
9:26
